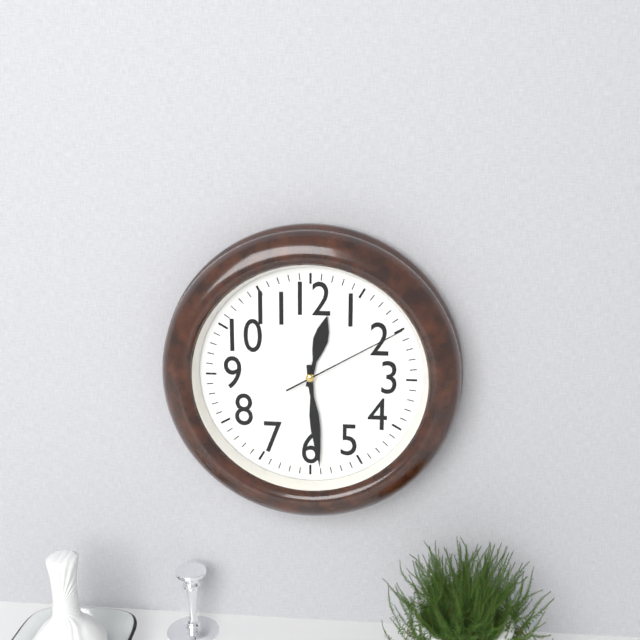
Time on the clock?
12:29:10
